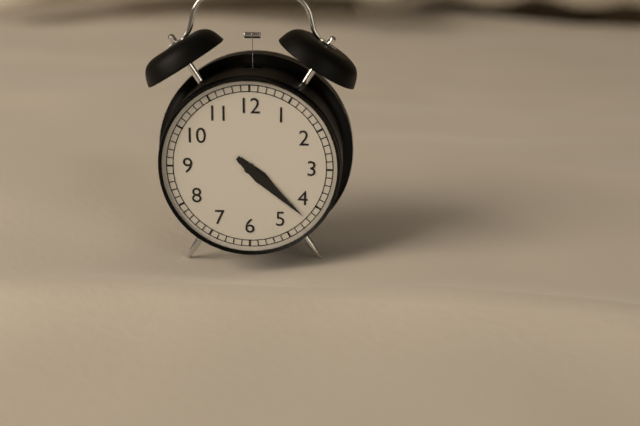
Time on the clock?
4:22
